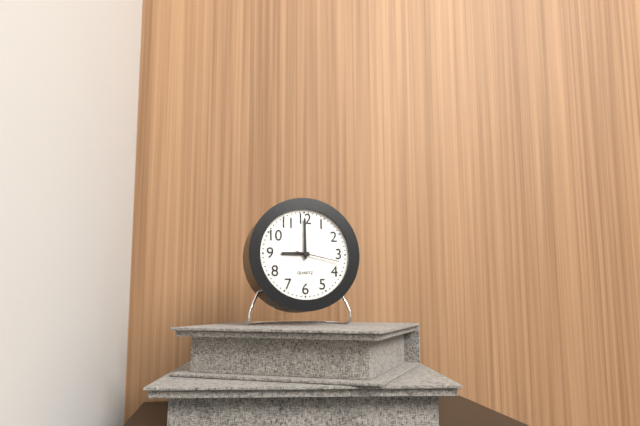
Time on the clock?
9:00
